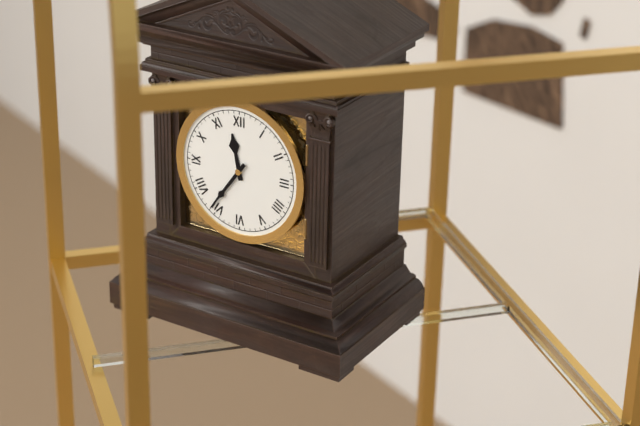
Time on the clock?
11:36
